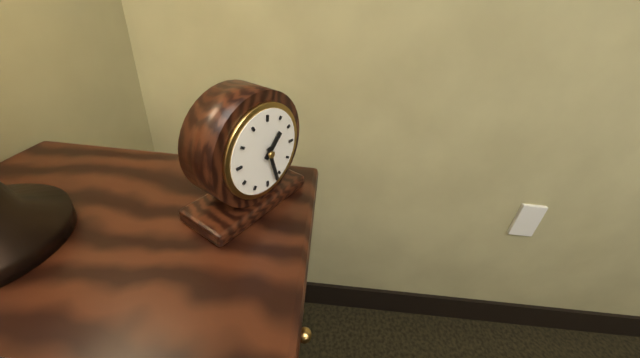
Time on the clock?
1:27
